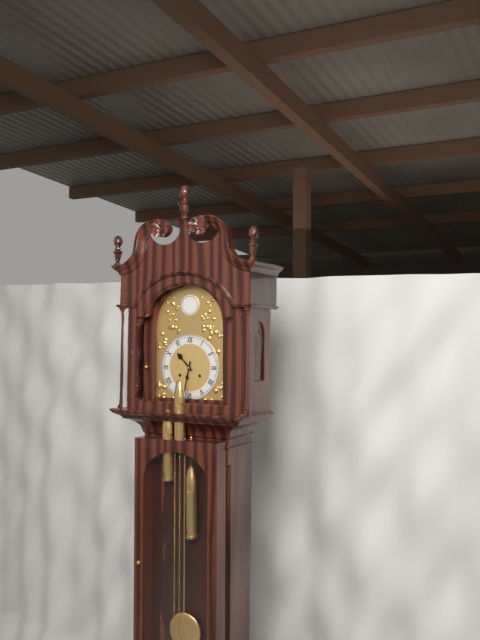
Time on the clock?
10:32
